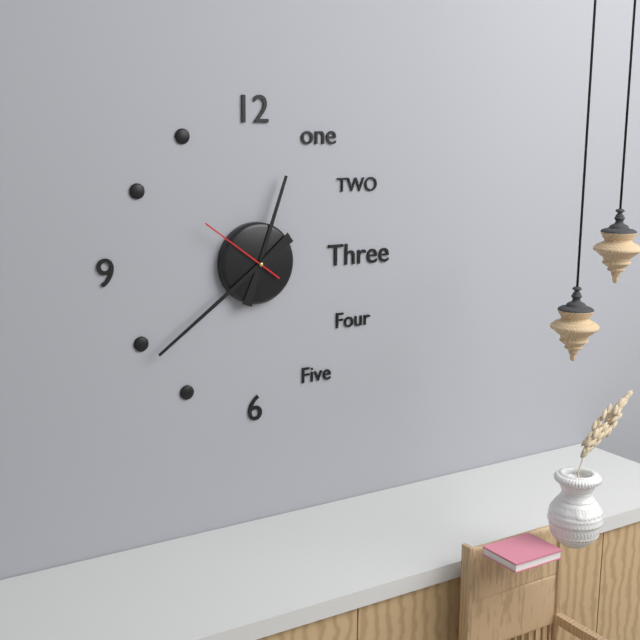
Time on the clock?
12:39:51
